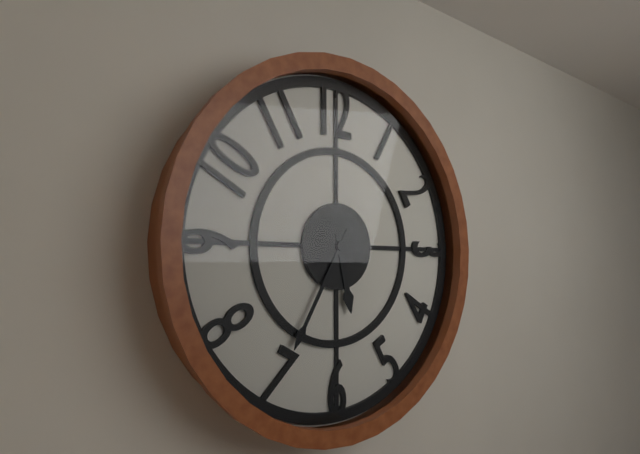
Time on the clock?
5:35
